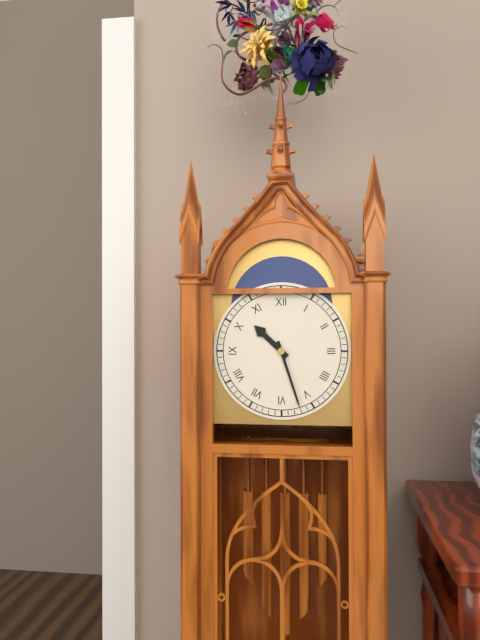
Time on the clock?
10:27
